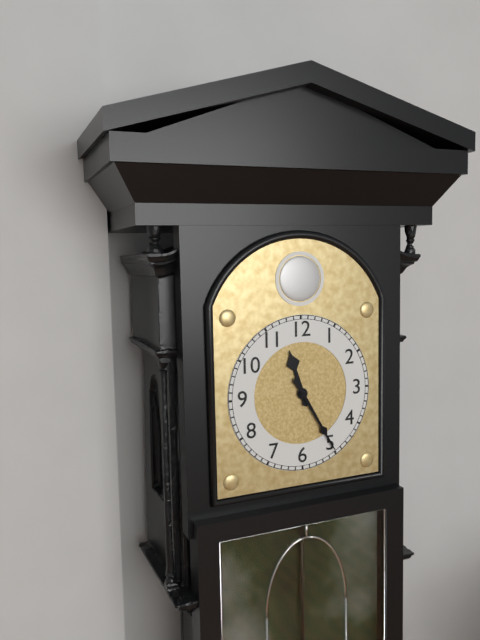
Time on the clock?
11:25
